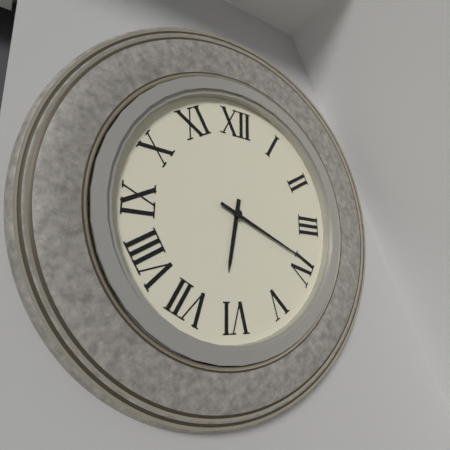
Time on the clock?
6:19
